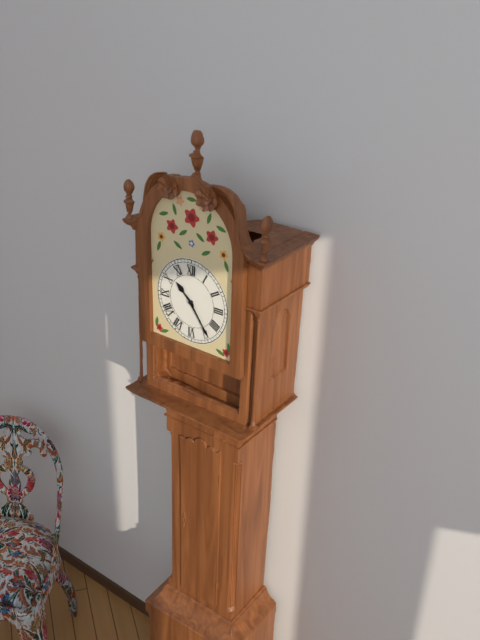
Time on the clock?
10:24
